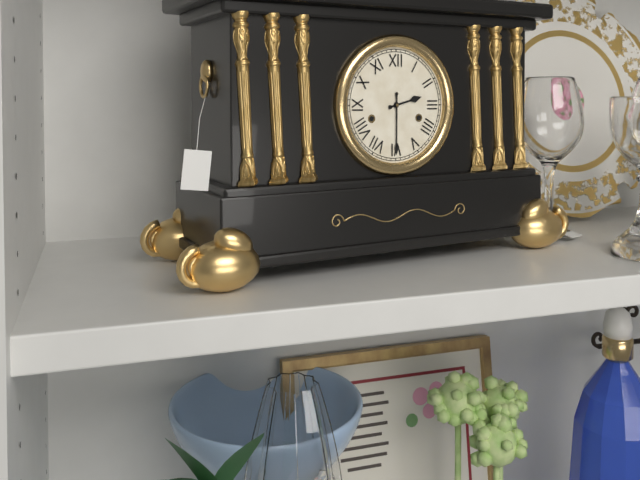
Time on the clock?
2:30
